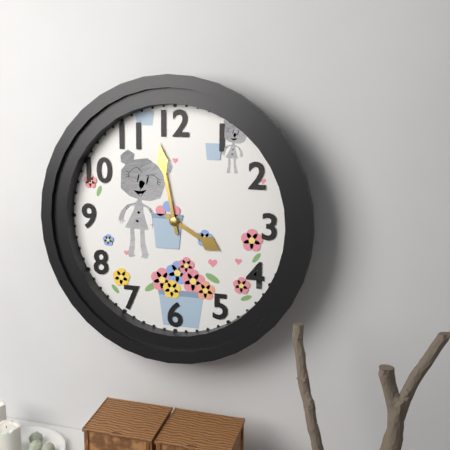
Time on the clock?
3:58
